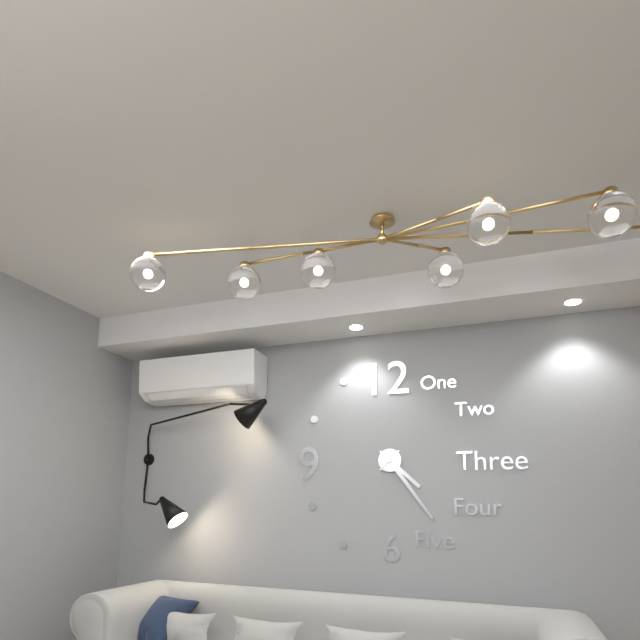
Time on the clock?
4:24
